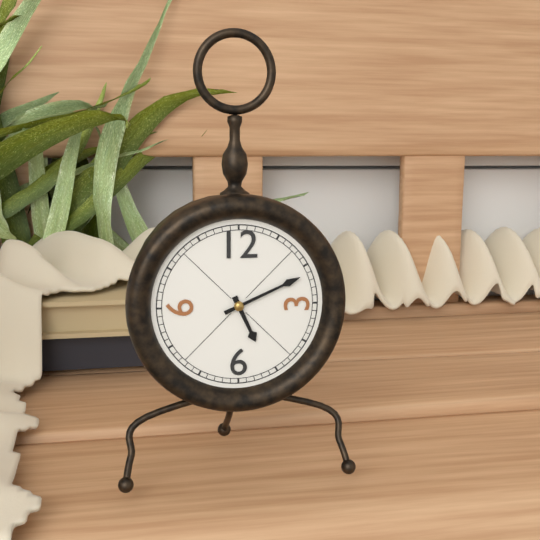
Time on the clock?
5:11
